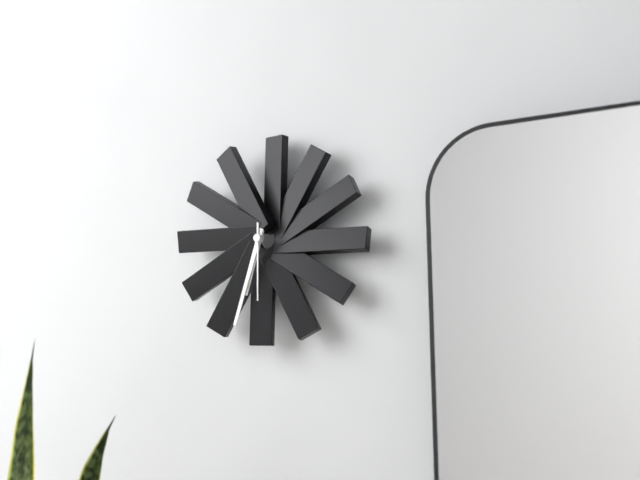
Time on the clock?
6:33:30
